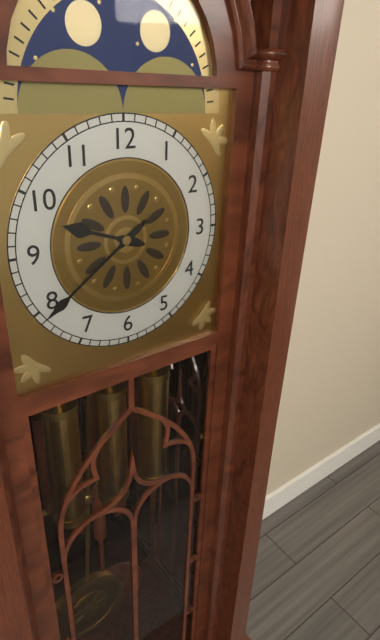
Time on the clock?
9:39
